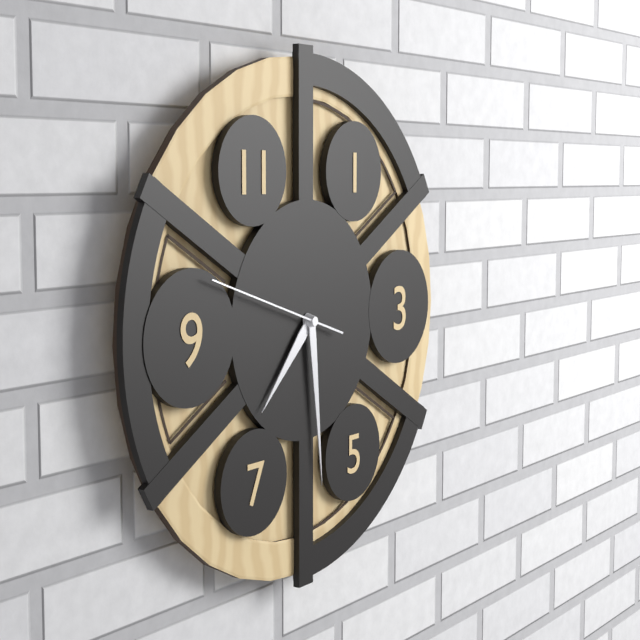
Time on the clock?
7:29:48
